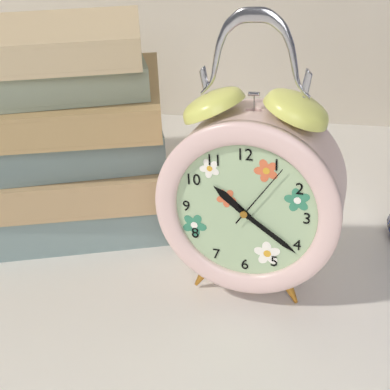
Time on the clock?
10:21:06
